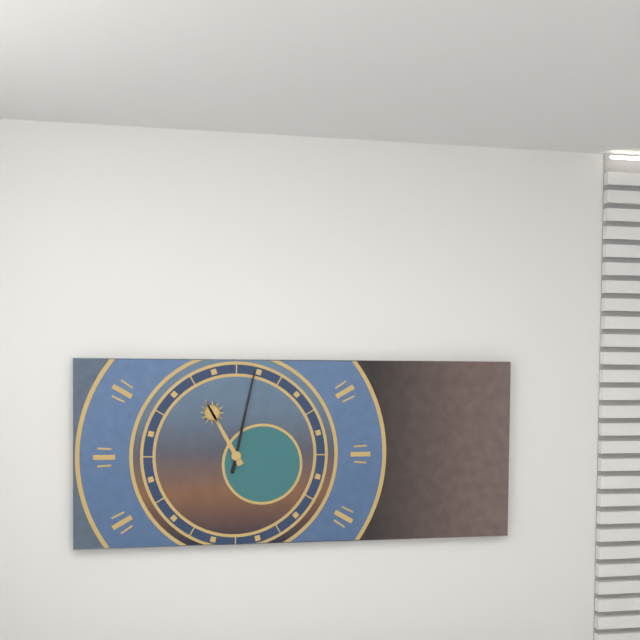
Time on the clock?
11:02
